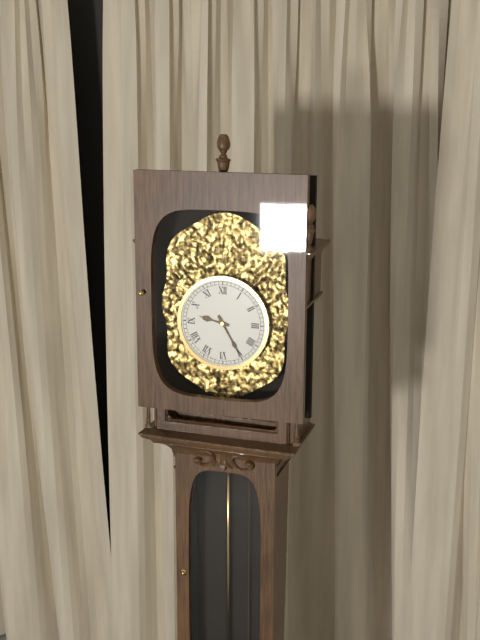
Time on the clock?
9:25
